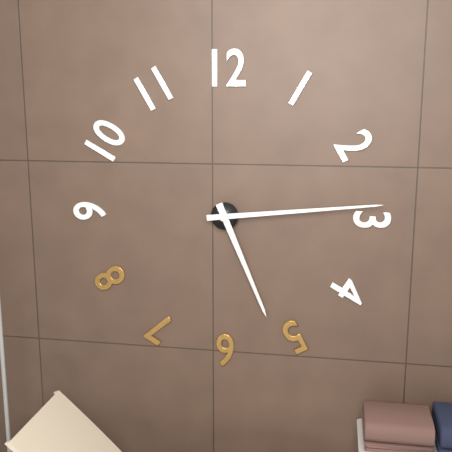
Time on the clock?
5:14
